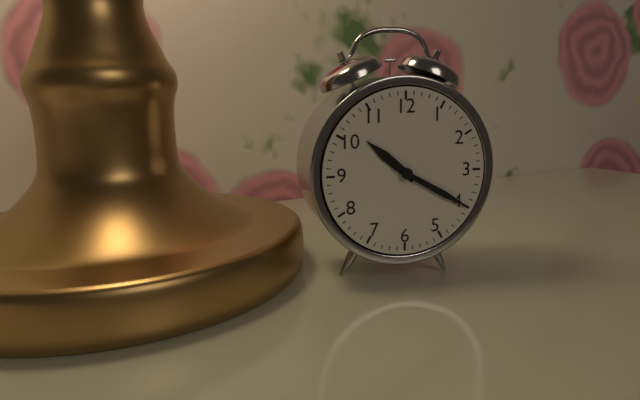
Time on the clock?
10:20
